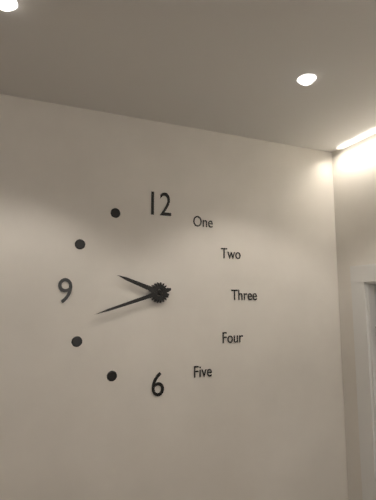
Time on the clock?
9:42
